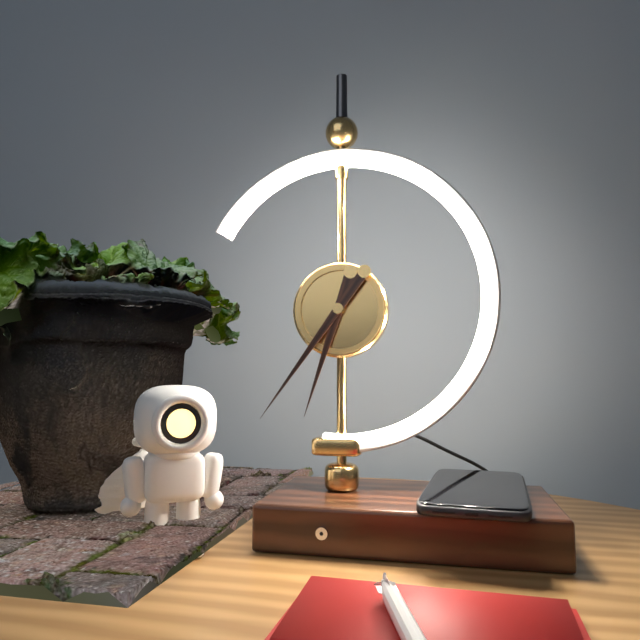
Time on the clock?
6:36
